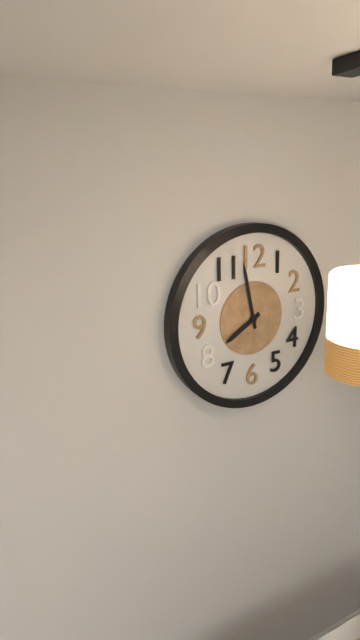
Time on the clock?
7:58
